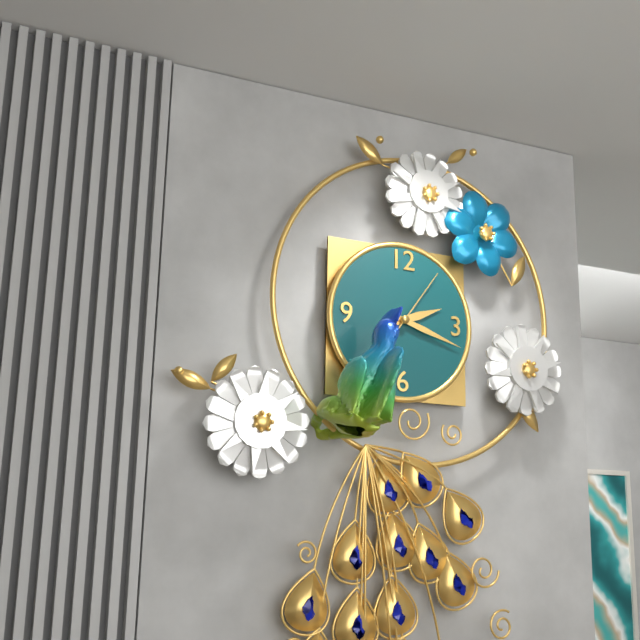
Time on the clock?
2:18:06
